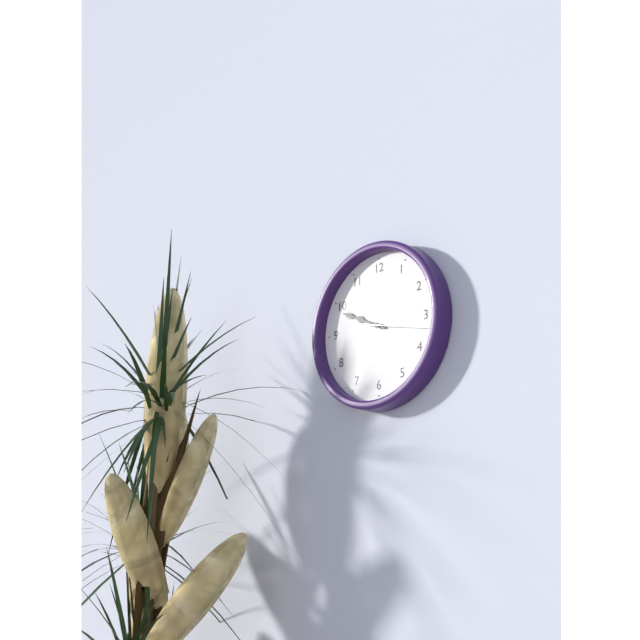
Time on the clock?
9:49:17
